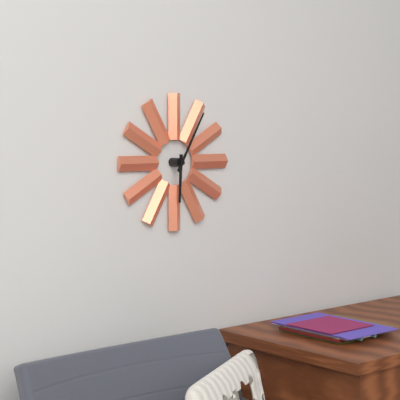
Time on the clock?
6:05
